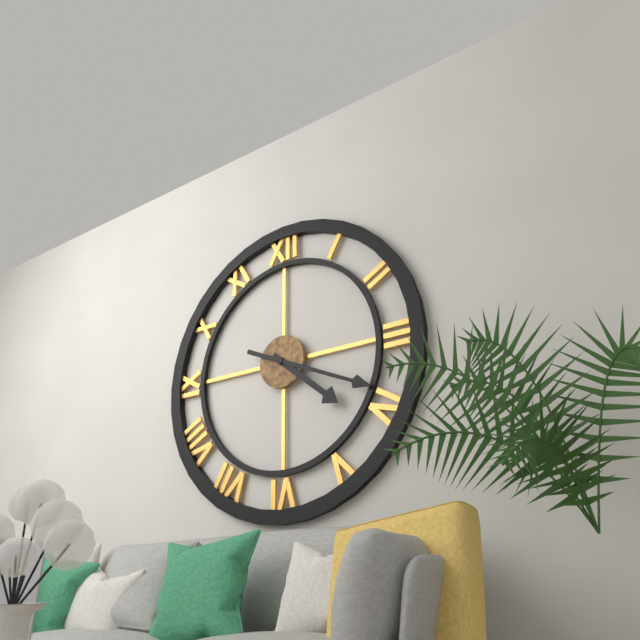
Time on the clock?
4:19
